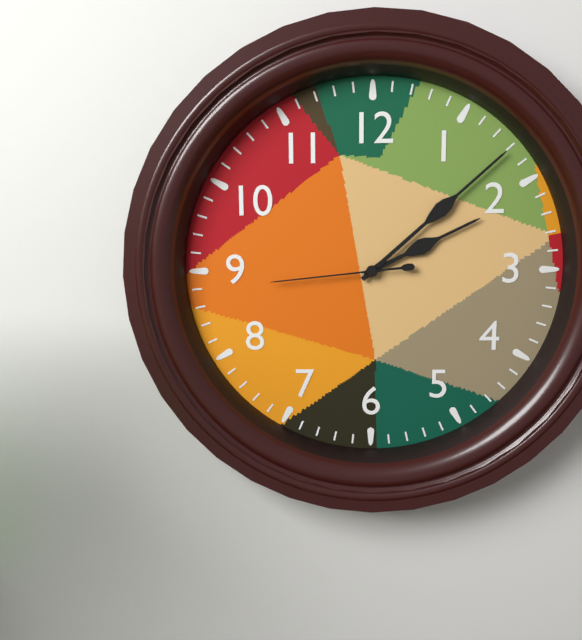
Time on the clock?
2:08:44
